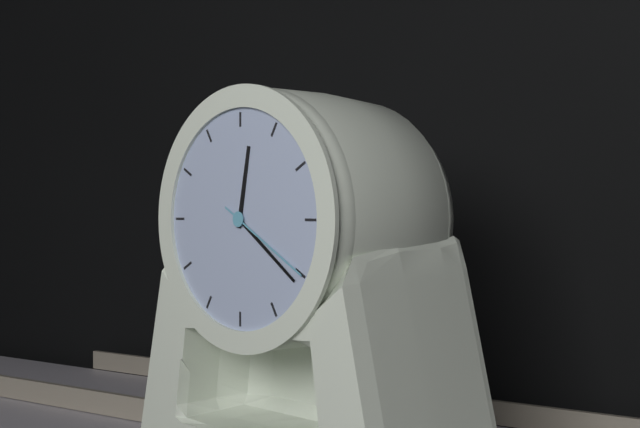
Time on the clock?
12:21:20
